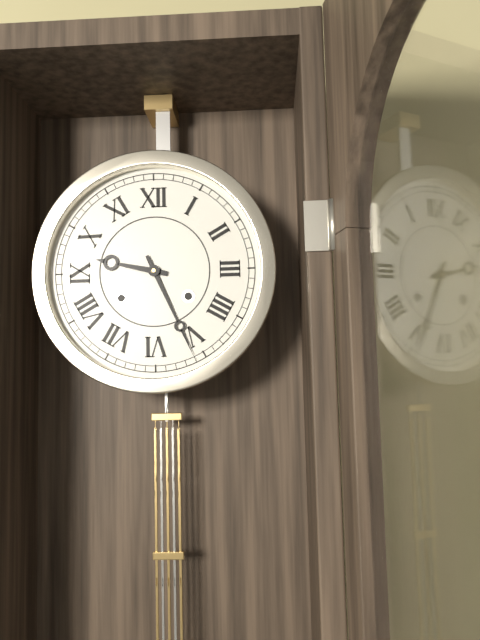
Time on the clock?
9:26
